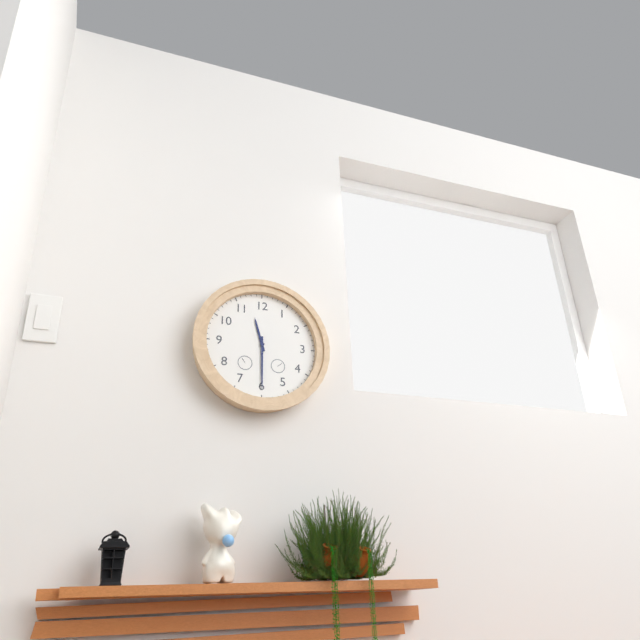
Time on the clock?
11:30
